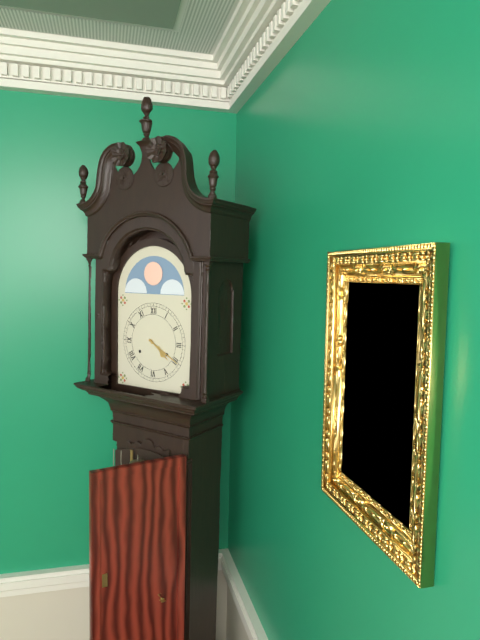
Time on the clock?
4:20
